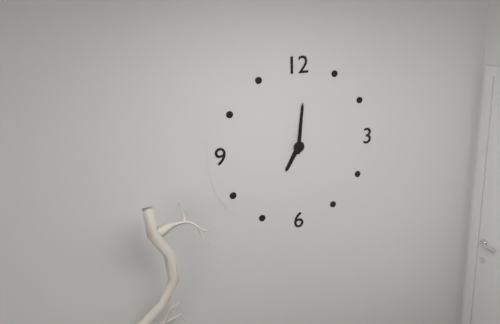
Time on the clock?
7:01
